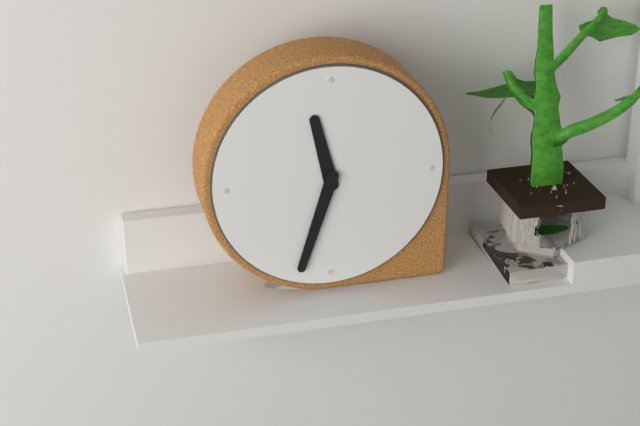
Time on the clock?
11:33
